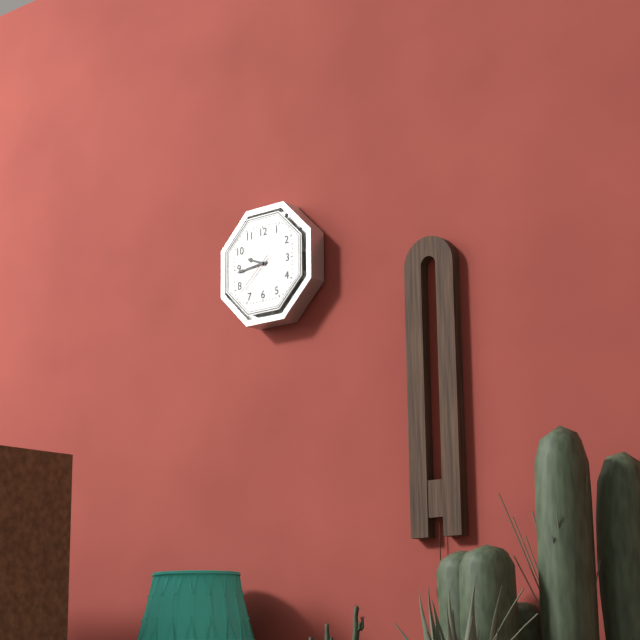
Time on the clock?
9:44
